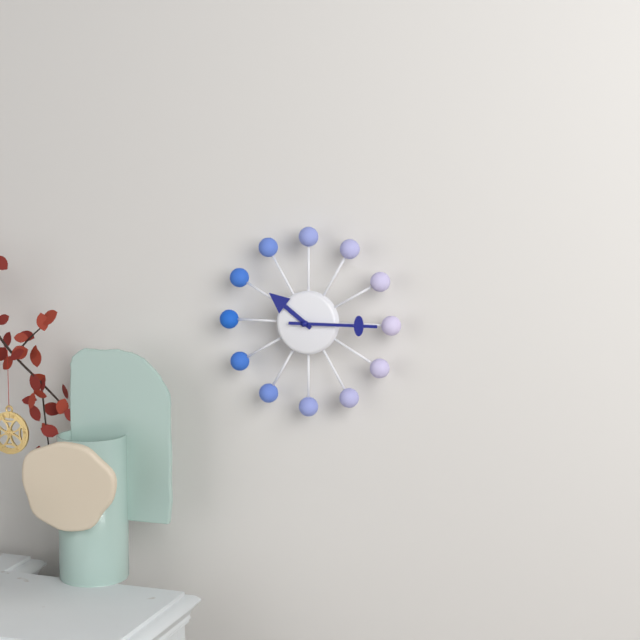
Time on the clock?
10:15
